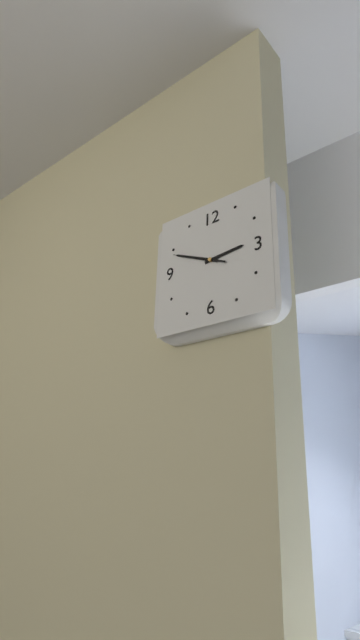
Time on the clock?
2:49
